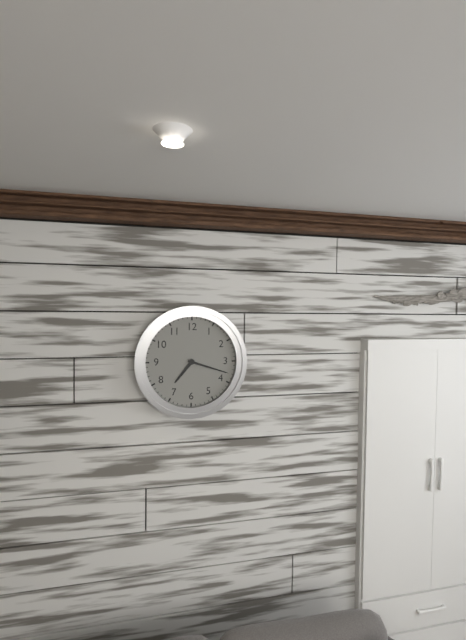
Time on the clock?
7:18
